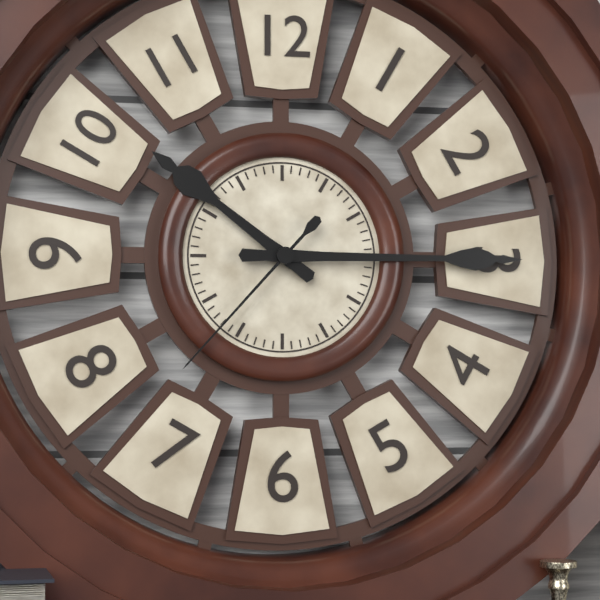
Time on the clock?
10:15:37
